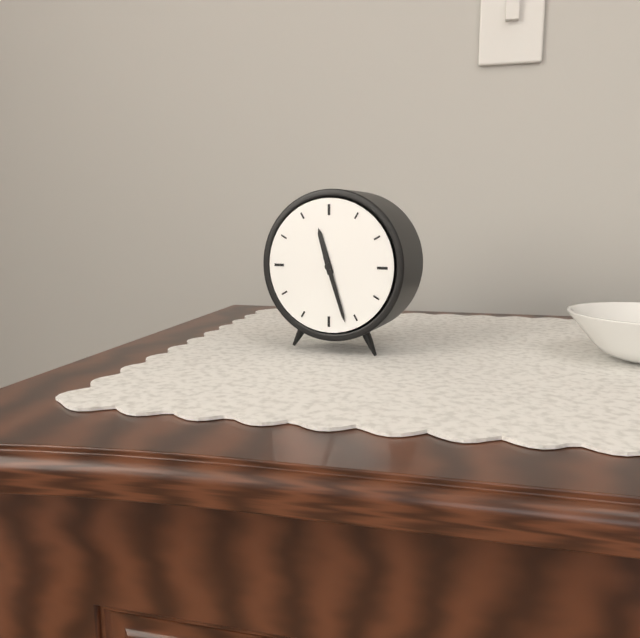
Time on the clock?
11:27
